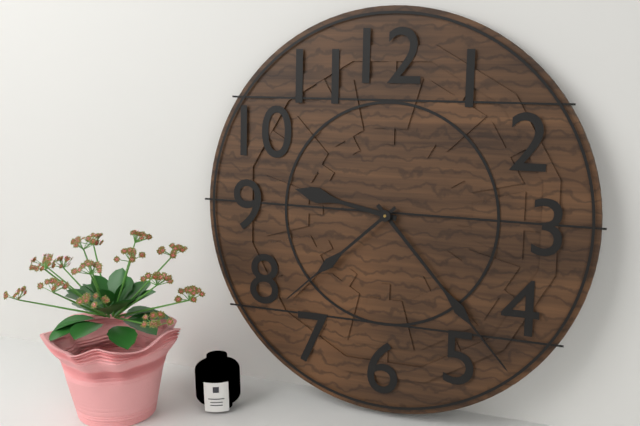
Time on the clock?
9:23:38
